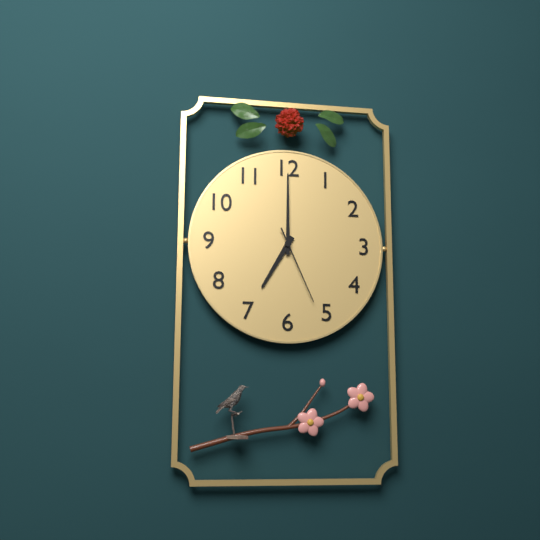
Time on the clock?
7:00:26
